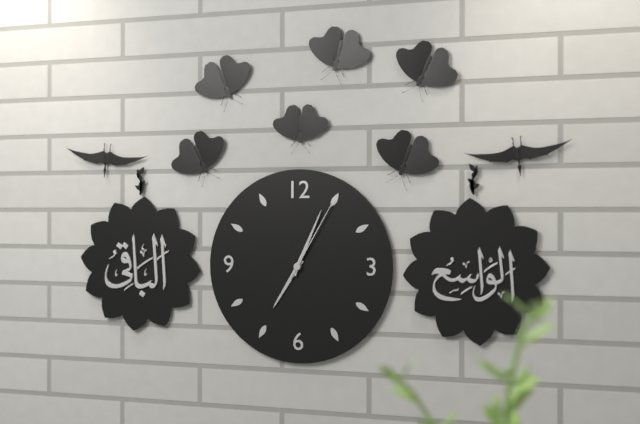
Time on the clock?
7:04:05
